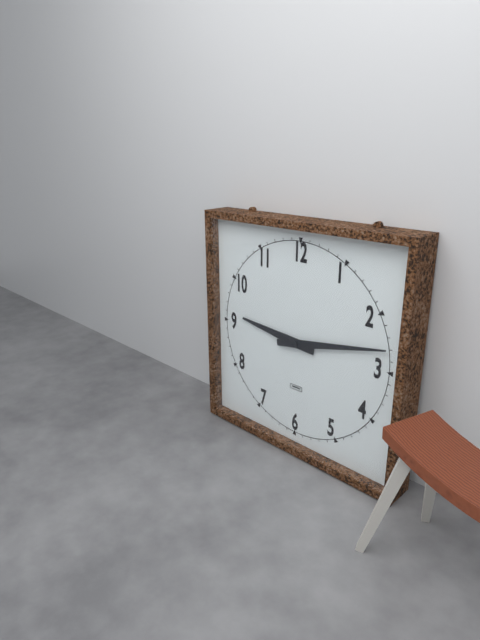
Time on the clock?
9:13
